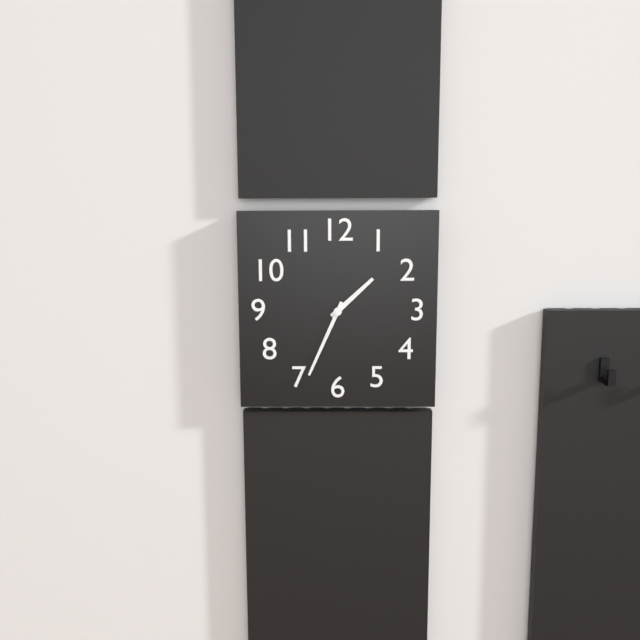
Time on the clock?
1:34
